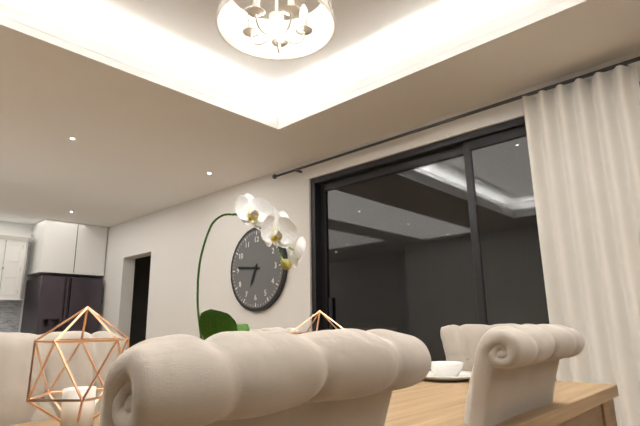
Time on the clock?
6:46
